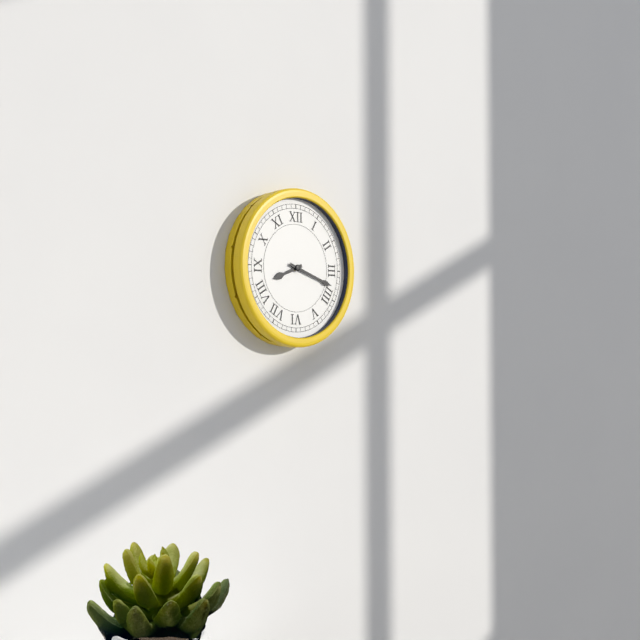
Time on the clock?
8:18
